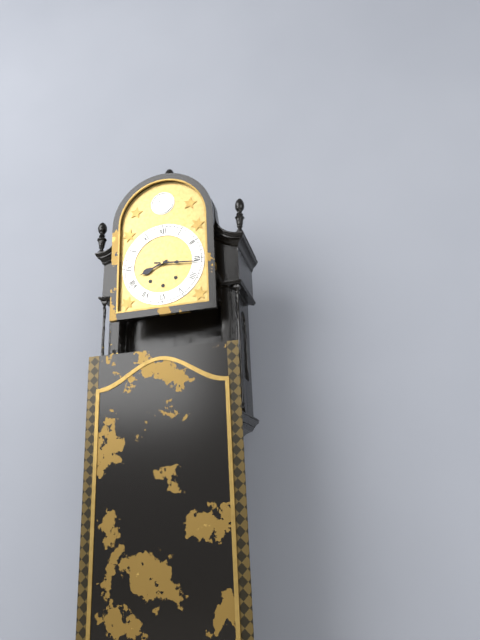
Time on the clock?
8:16
